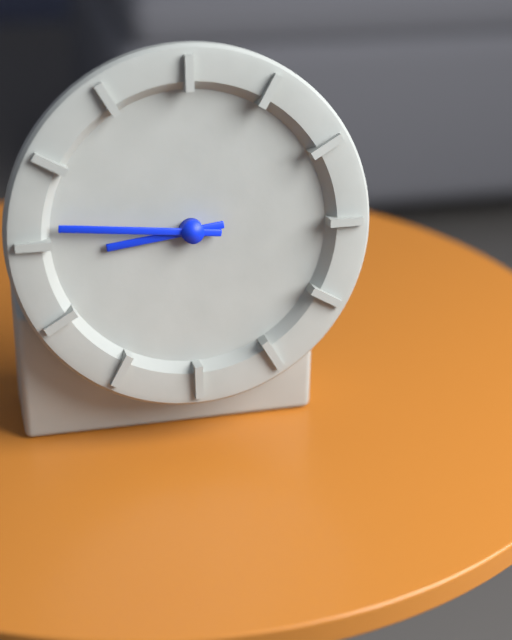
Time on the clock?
8:46
